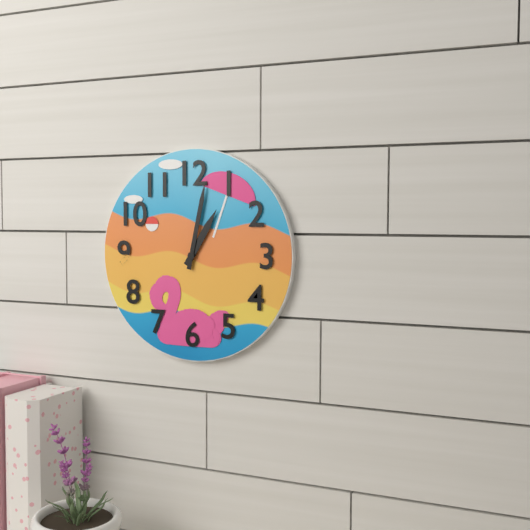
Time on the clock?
1:02
